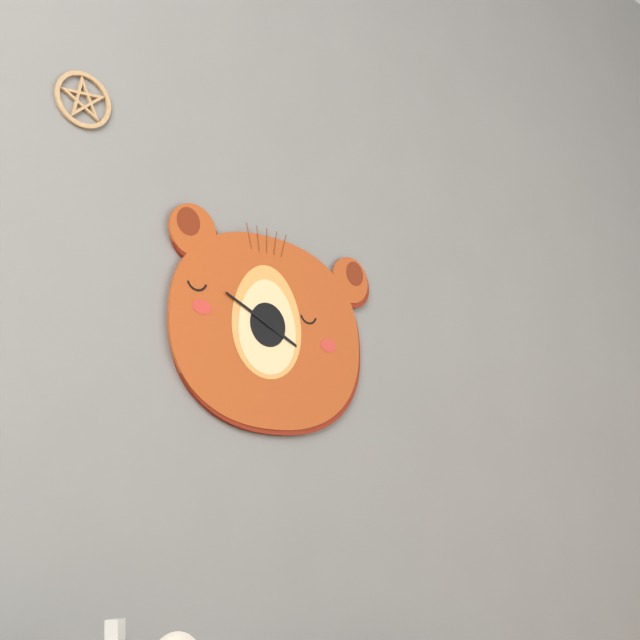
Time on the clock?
3:49
